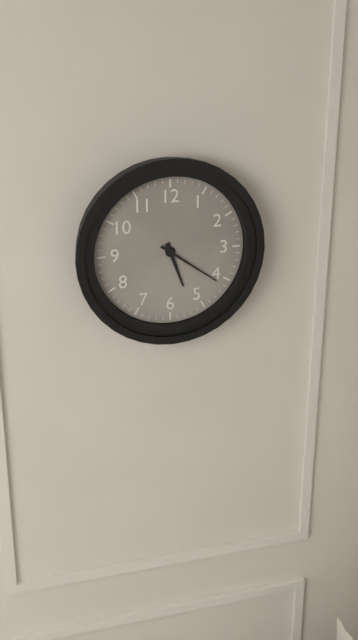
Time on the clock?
5:21
